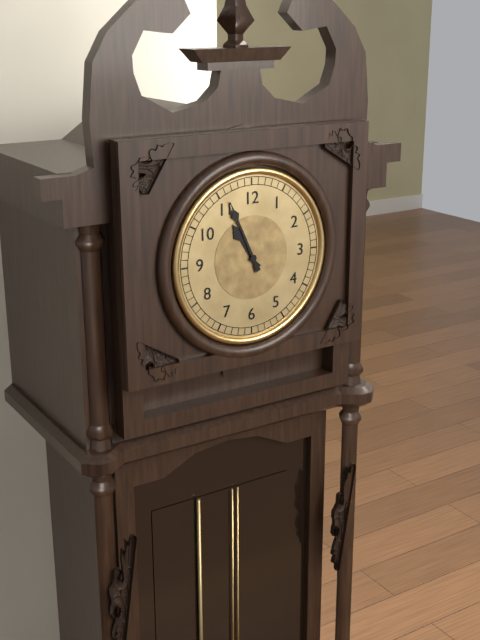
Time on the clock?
10:56
